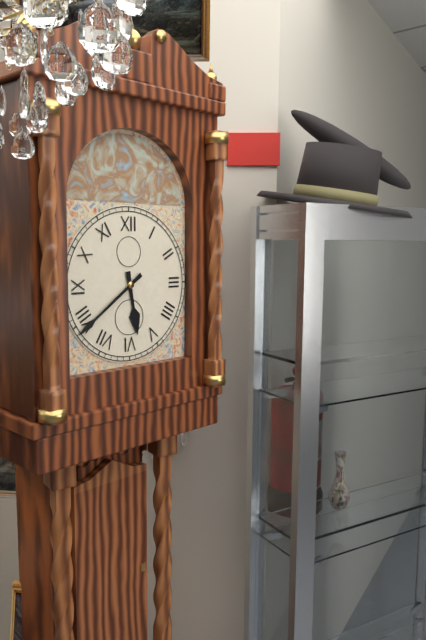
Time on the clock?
5:39
